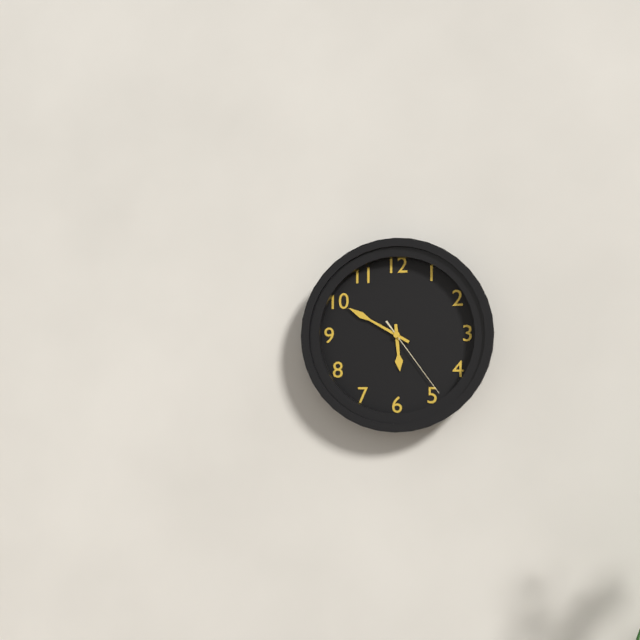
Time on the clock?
5:50:24
